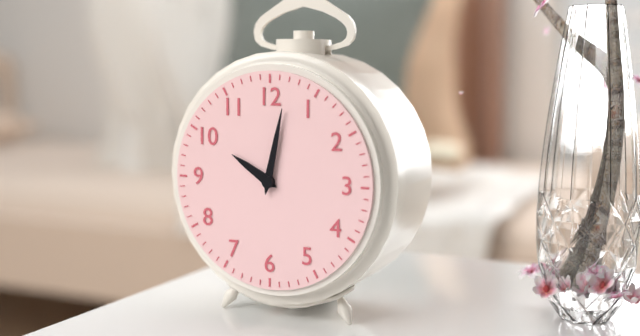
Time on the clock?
10:02
